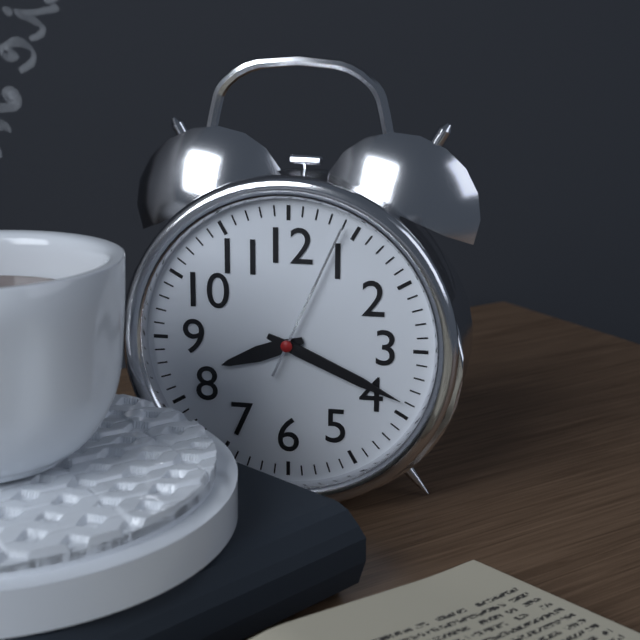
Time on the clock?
8:19:04
